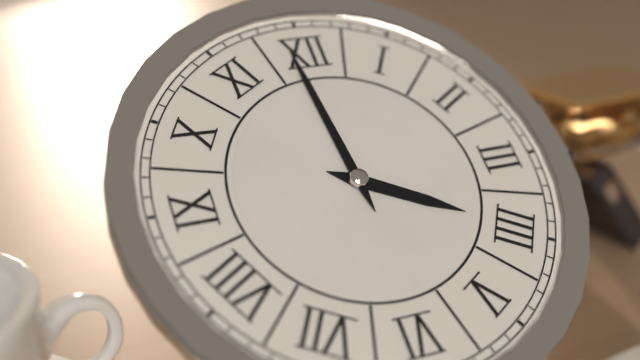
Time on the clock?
3:59
